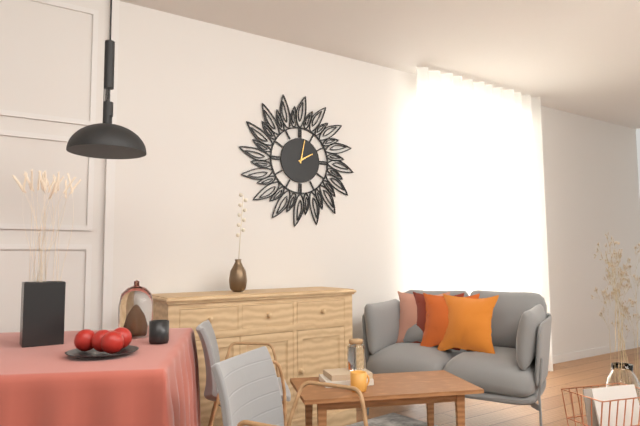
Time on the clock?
2:02
